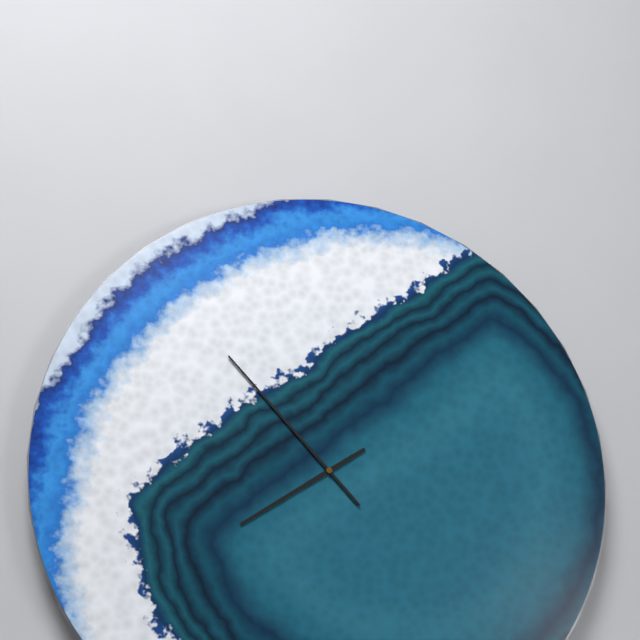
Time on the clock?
7:53
